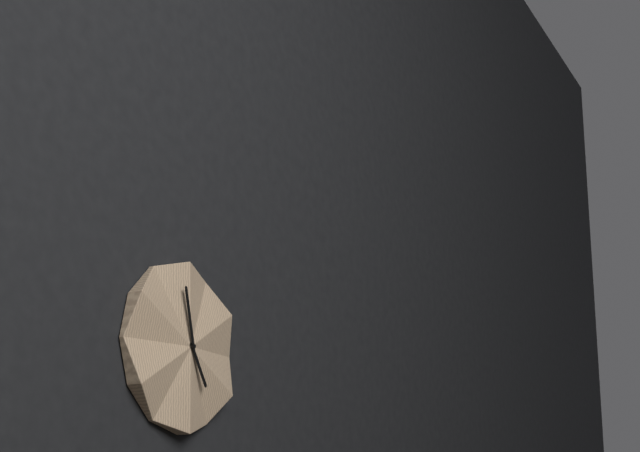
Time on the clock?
4:58
